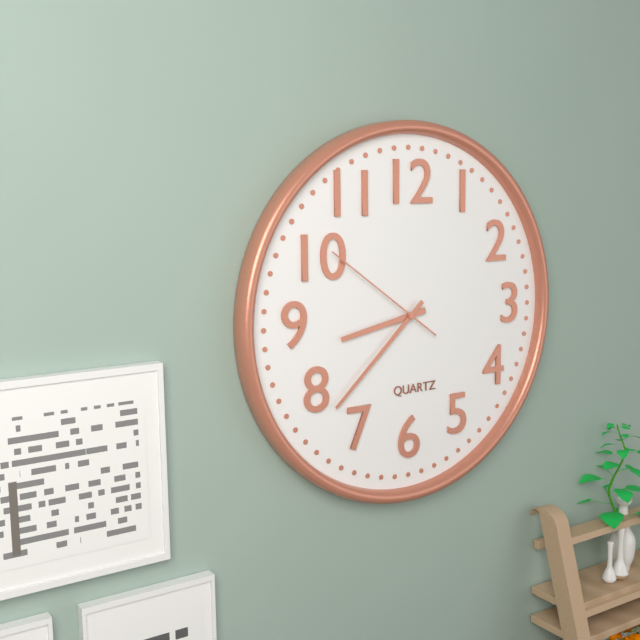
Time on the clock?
8:38:51
